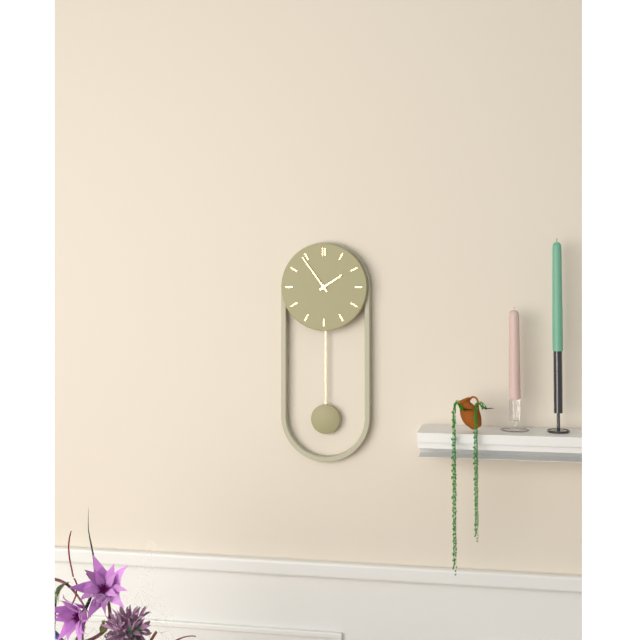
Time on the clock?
1:54
